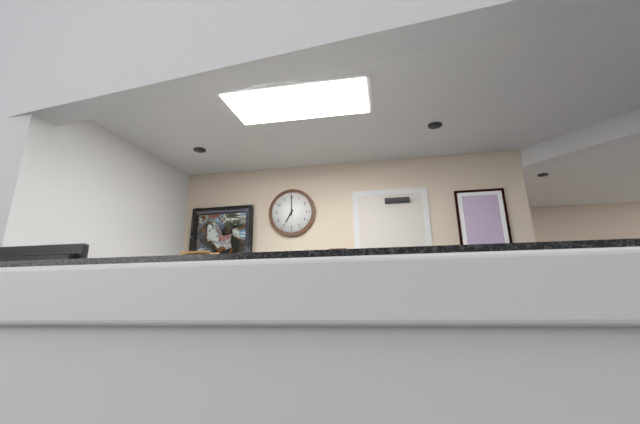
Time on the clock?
7:00
